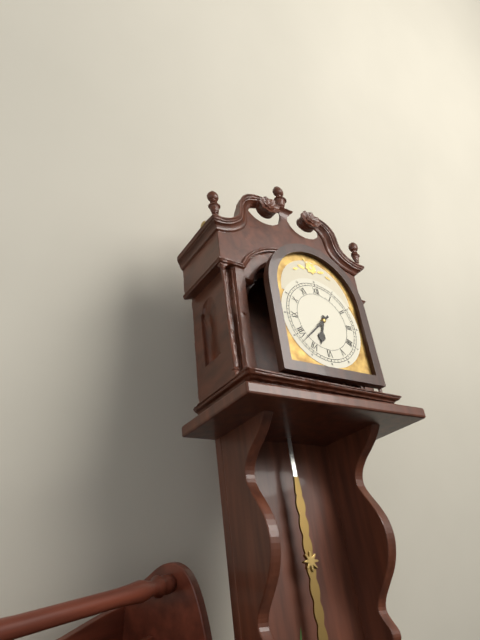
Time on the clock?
6:38
